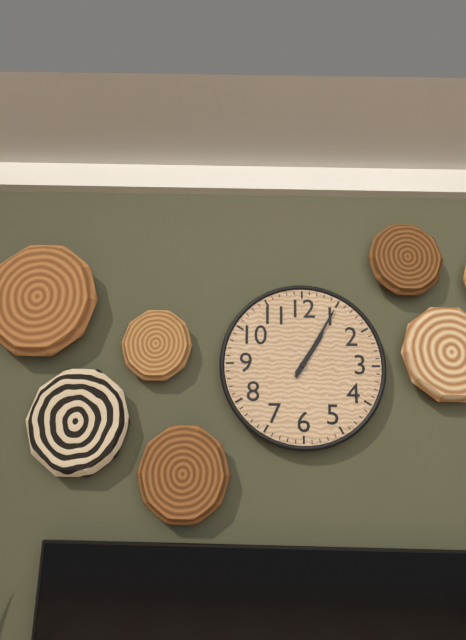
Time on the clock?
1:05
